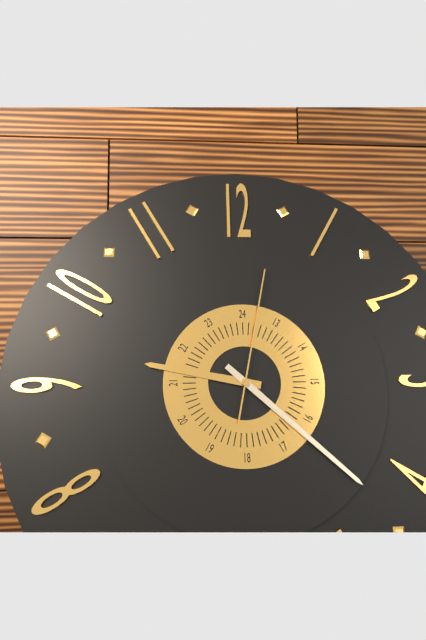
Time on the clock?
9:22:02
